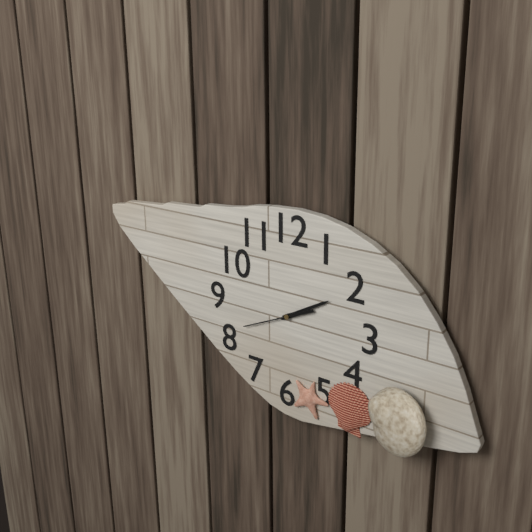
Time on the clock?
2:10:41
